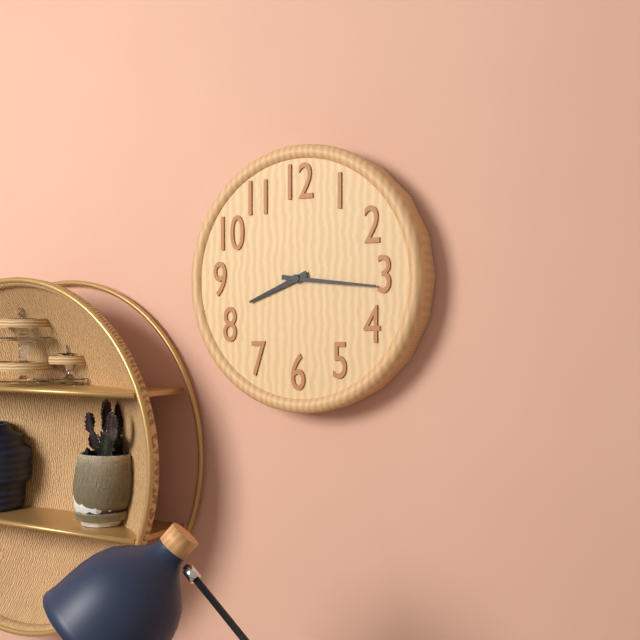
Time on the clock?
8:16
